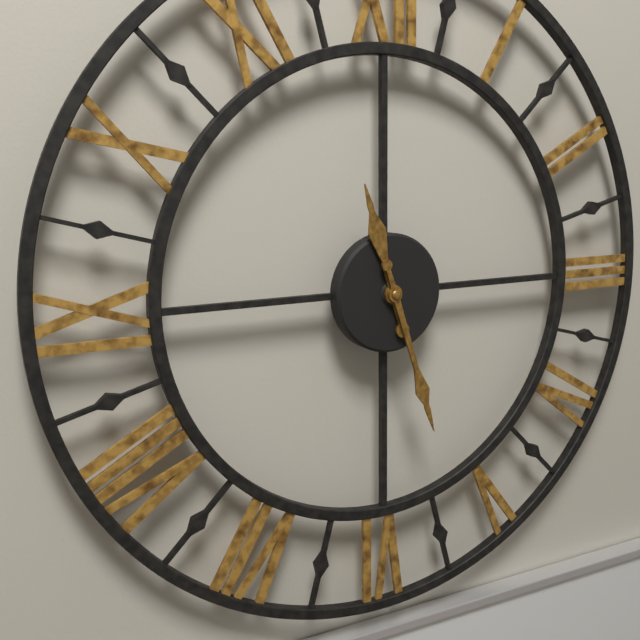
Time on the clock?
11:27
